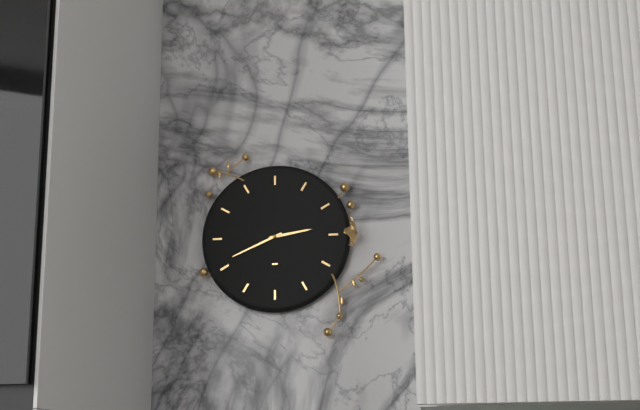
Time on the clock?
2:41
